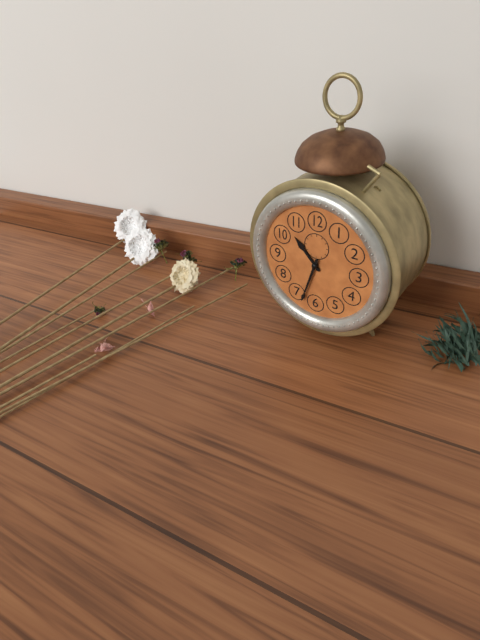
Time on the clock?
10:33
